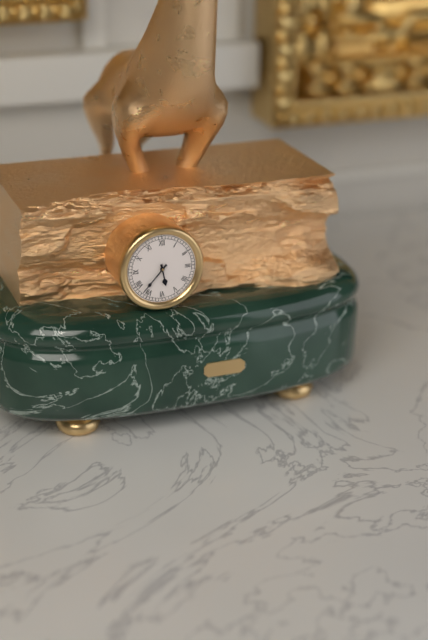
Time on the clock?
5:37
